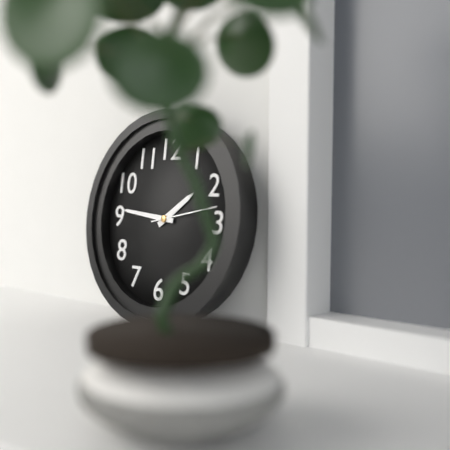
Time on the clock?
1:46:13
